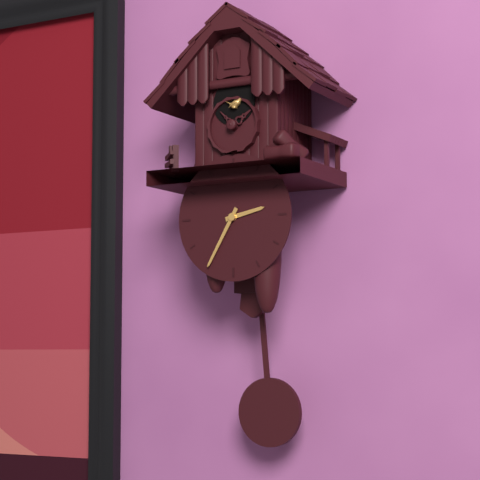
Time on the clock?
2:35
